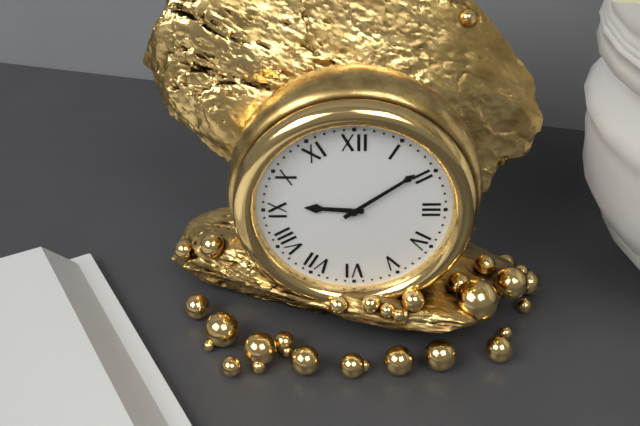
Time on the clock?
9:09
